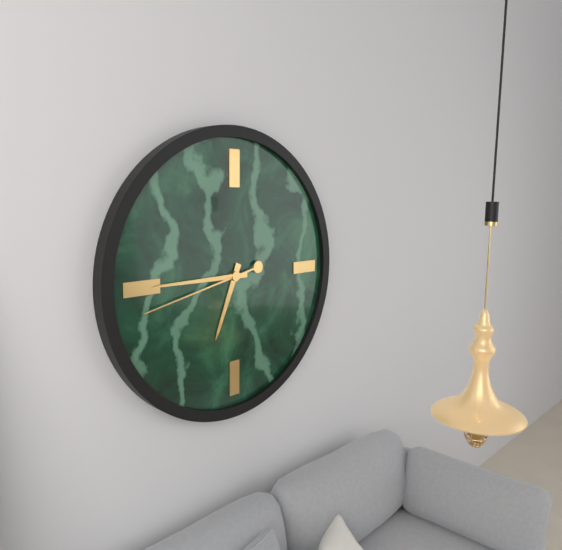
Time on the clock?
6:45:43
